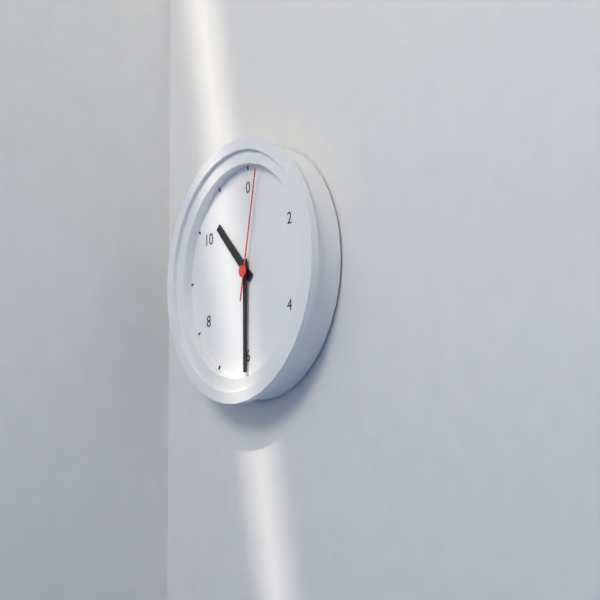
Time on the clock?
10:30:02
